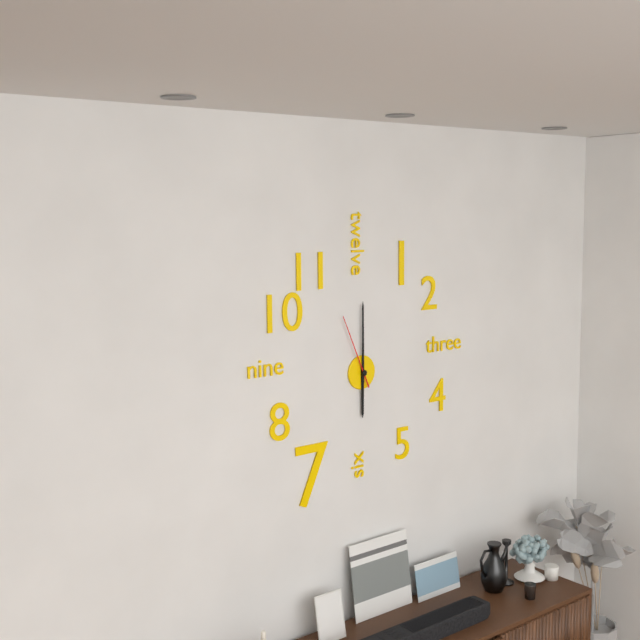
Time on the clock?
6:00:56
